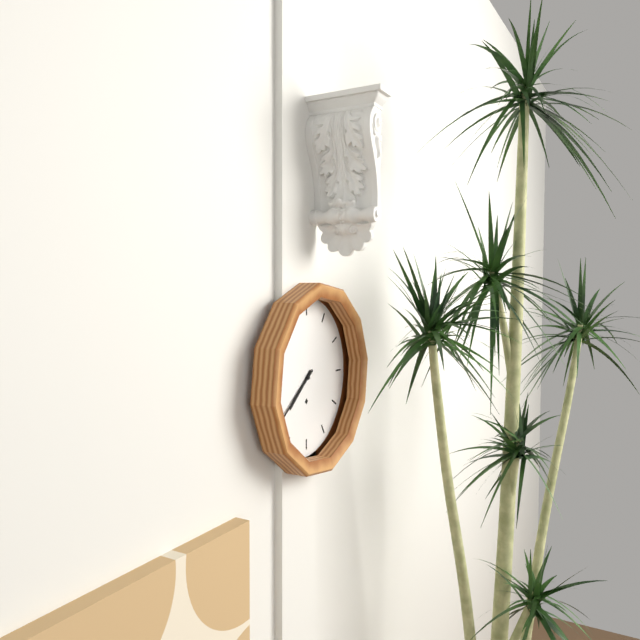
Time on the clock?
7:39
